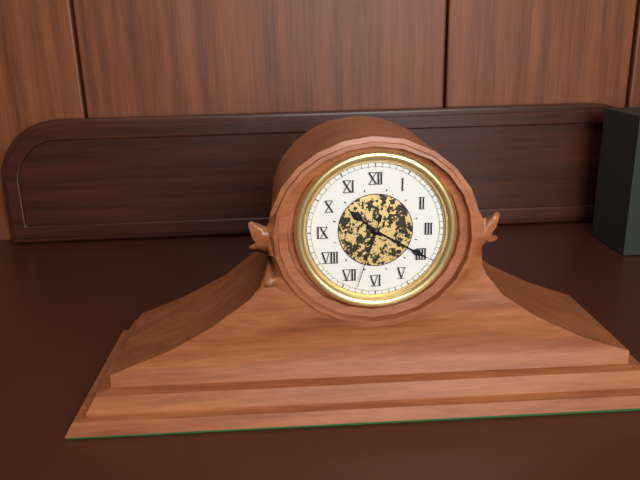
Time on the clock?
10:20:33
